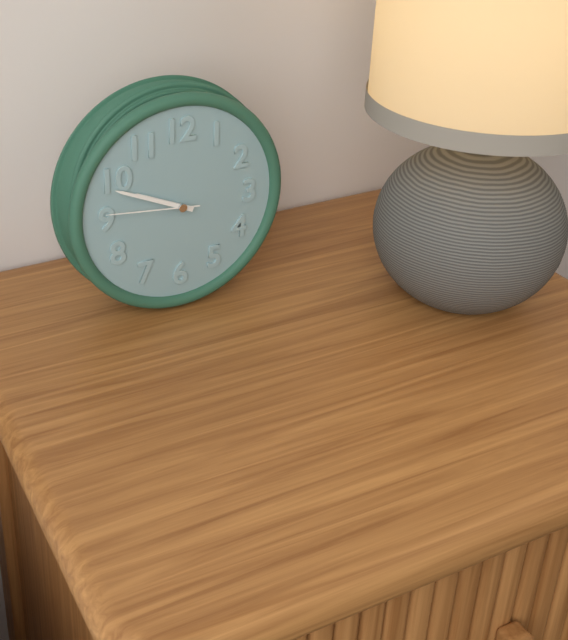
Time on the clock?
9:49:46
